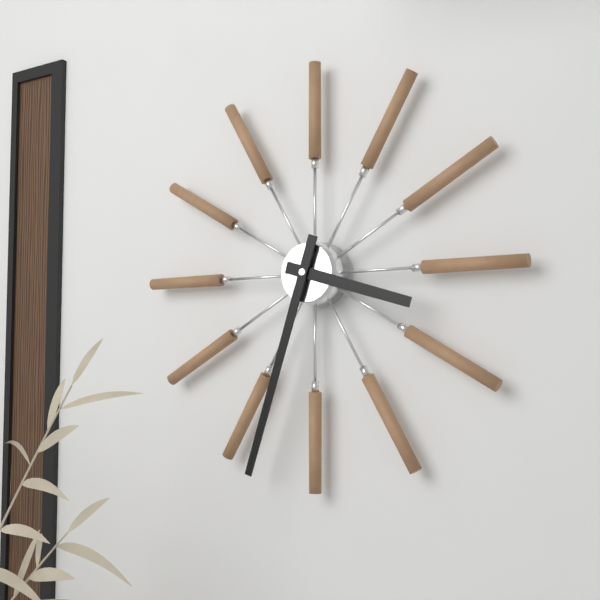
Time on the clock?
3:33
